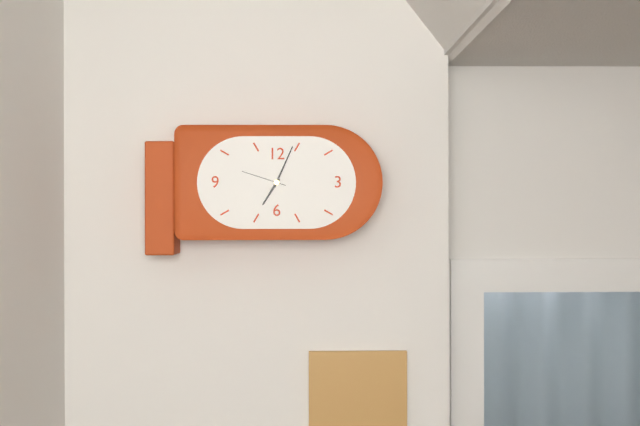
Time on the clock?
7:04
